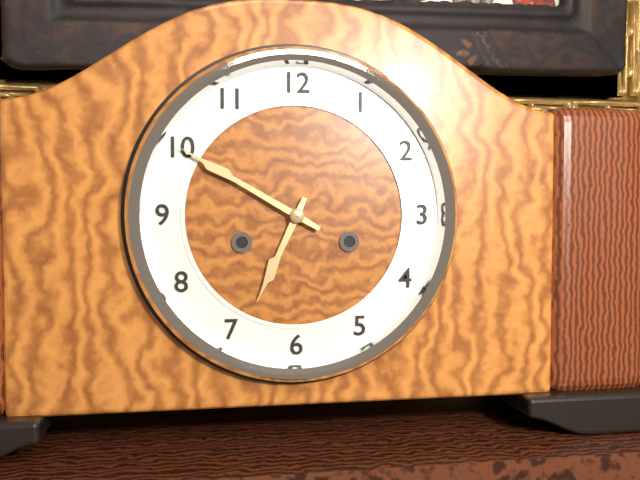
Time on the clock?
6:50
